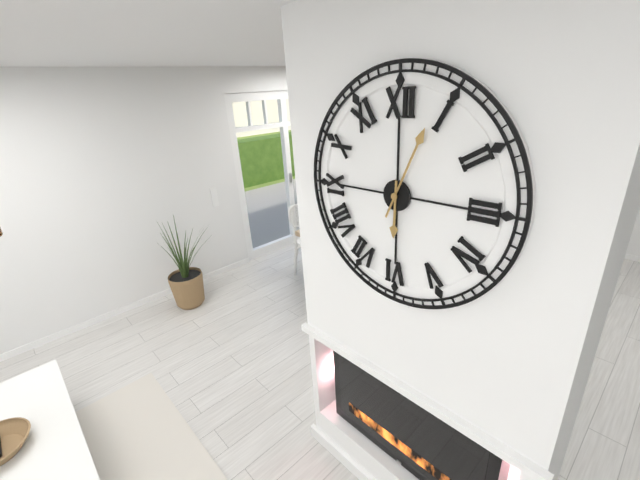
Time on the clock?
6:04
